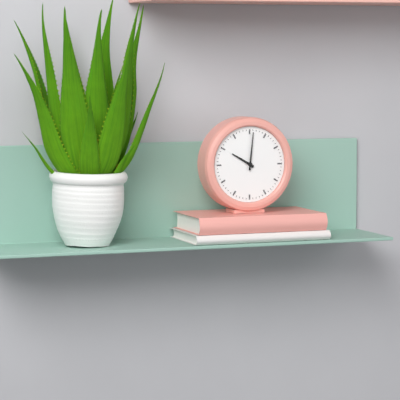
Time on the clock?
10:01
